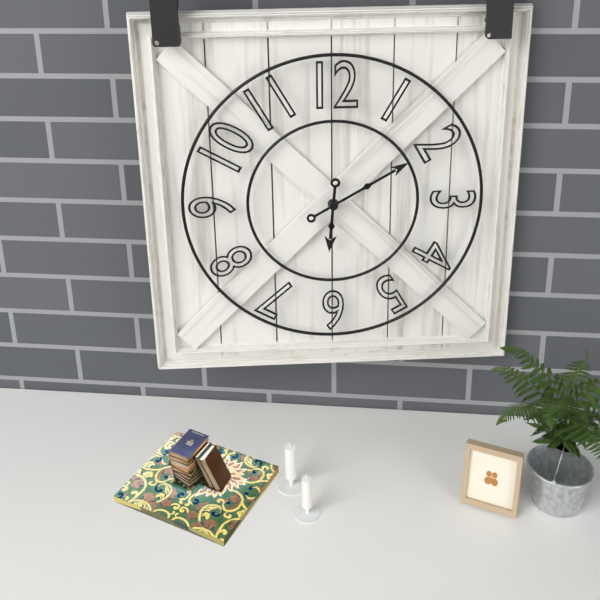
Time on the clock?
6:10
